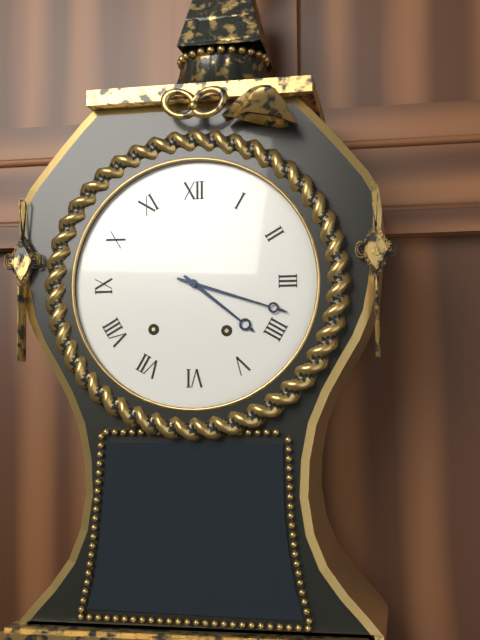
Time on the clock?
4:18
